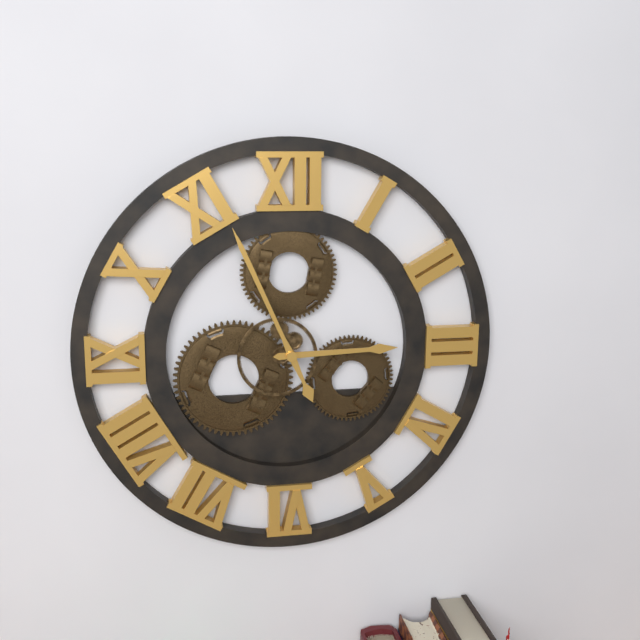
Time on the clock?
2:56
